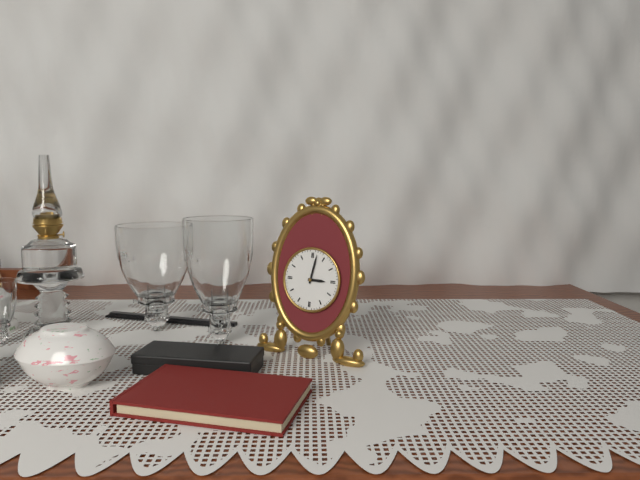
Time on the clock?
3:02
